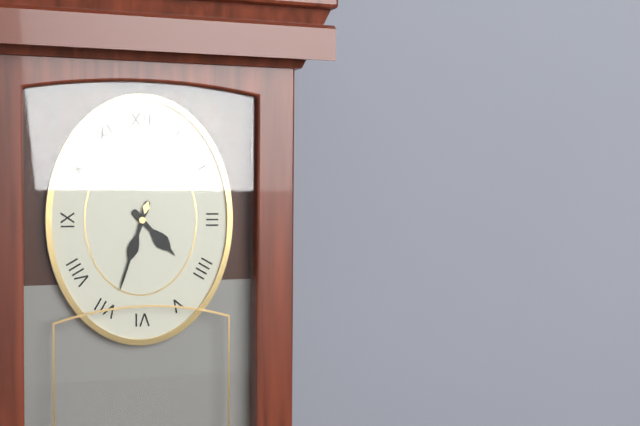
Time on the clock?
4:33
